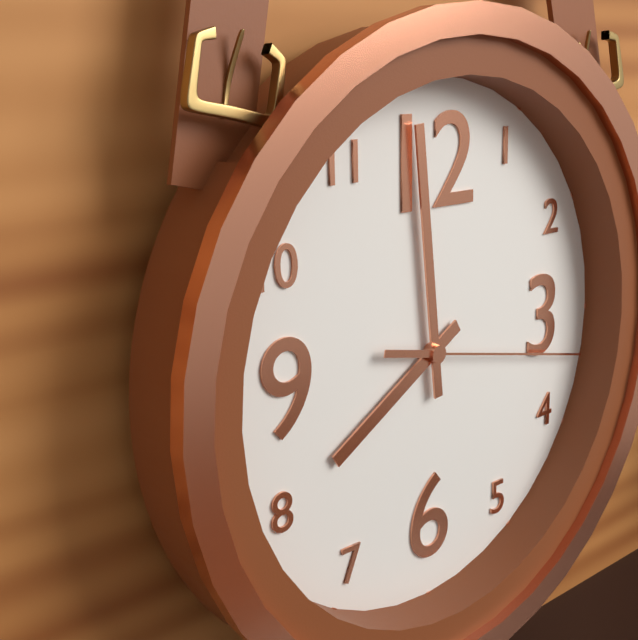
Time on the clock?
7:59:17
